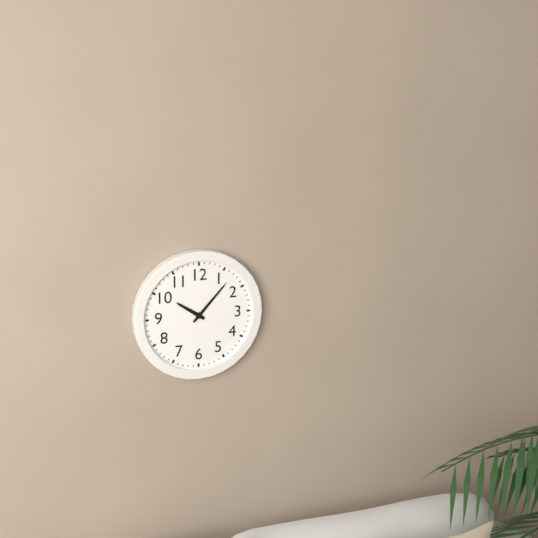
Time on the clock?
10:07
